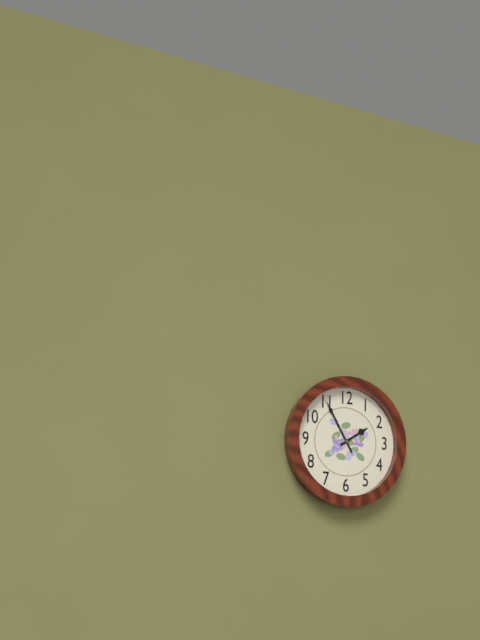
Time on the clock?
1:55
